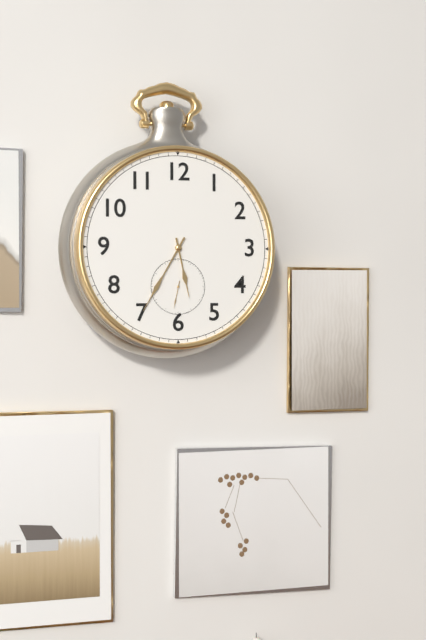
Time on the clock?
5:35
